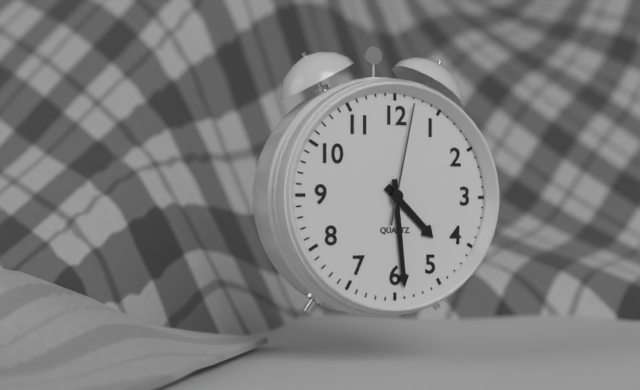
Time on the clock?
4:29:02
